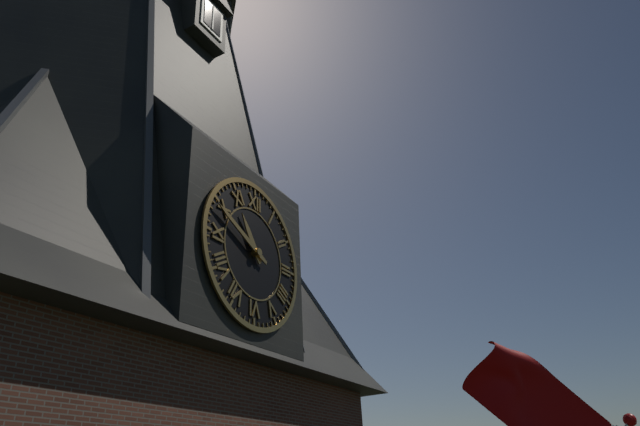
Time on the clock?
10:49
